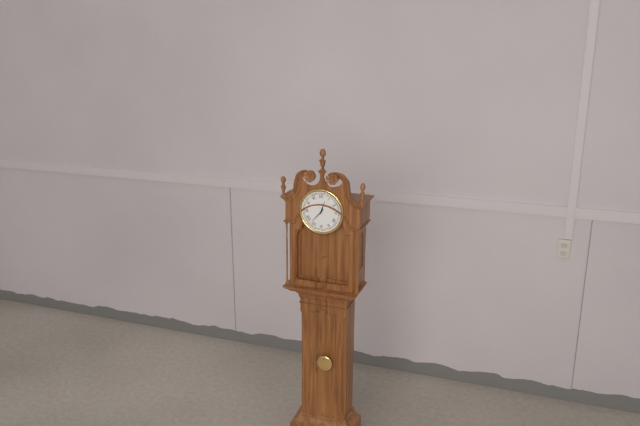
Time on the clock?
12:37
